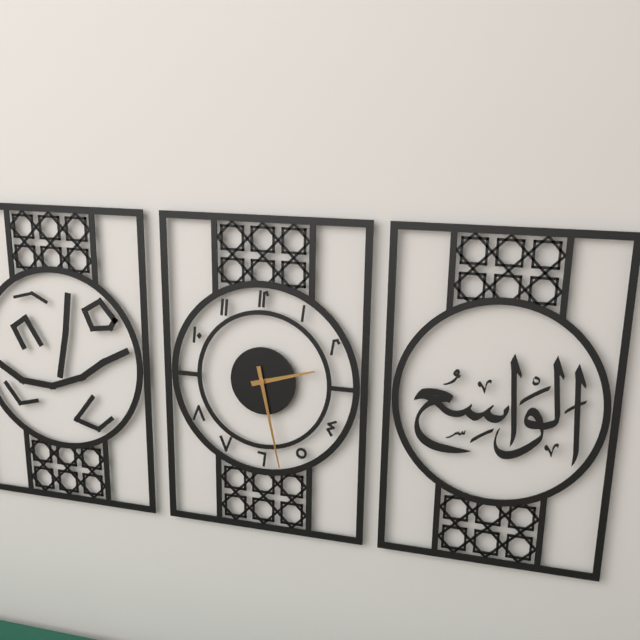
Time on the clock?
2:28
